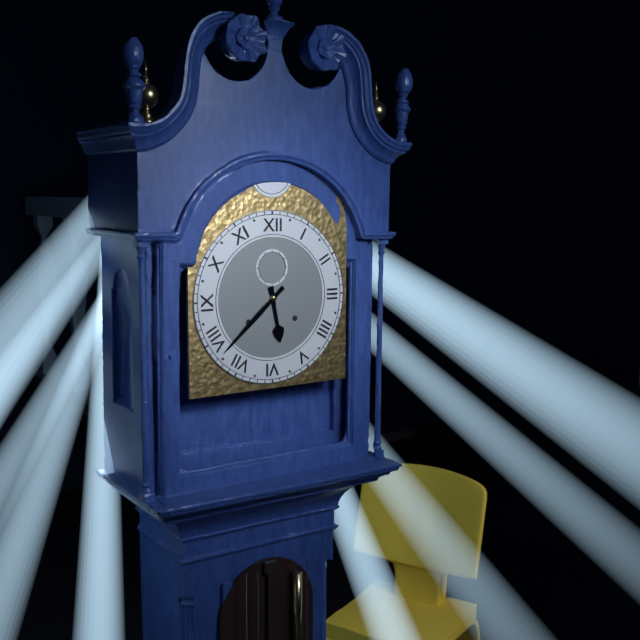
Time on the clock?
5:38
